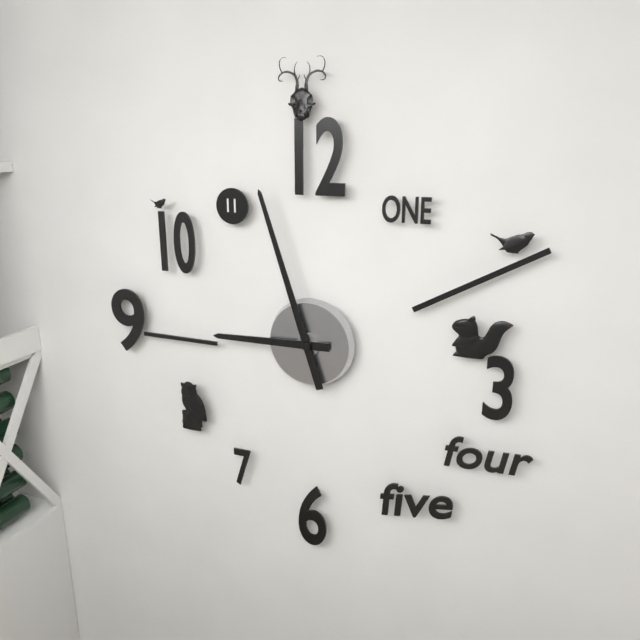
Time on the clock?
8:57
